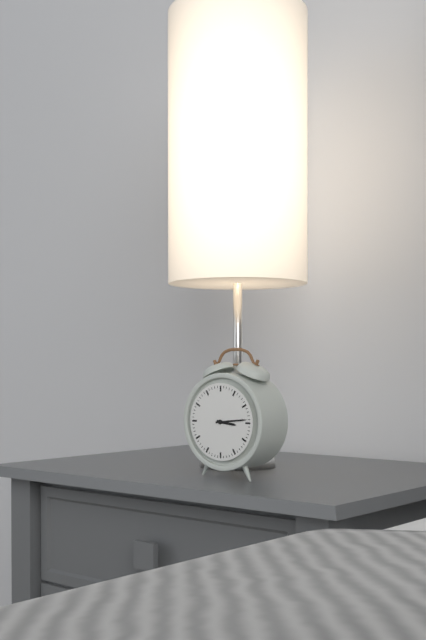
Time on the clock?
3:14
